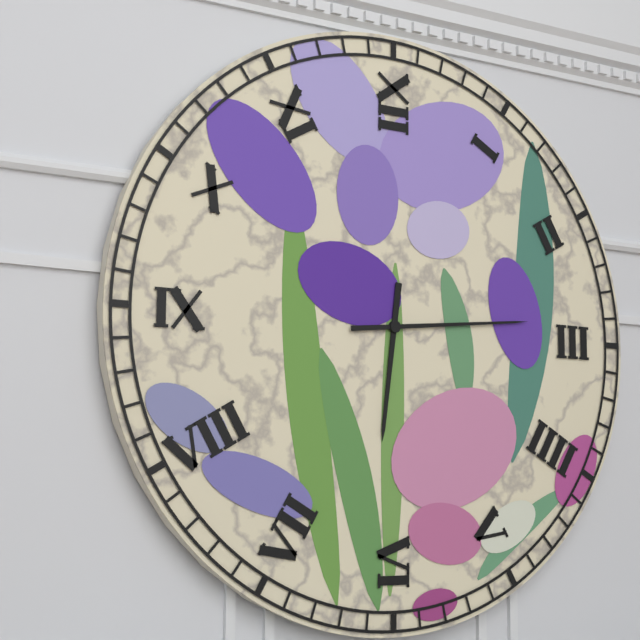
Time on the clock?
6:14
